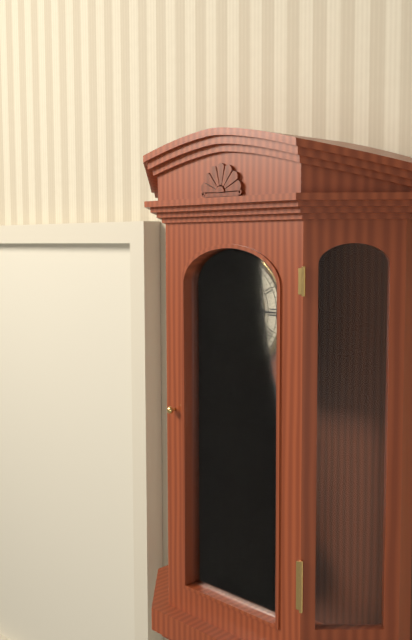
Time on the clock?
11:15
